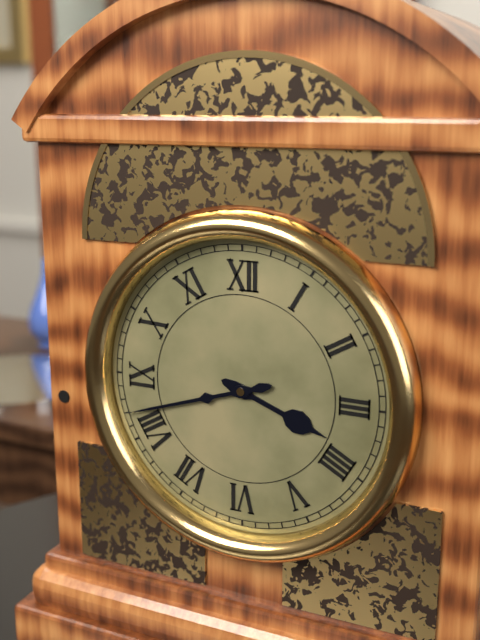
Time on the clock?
3:42
